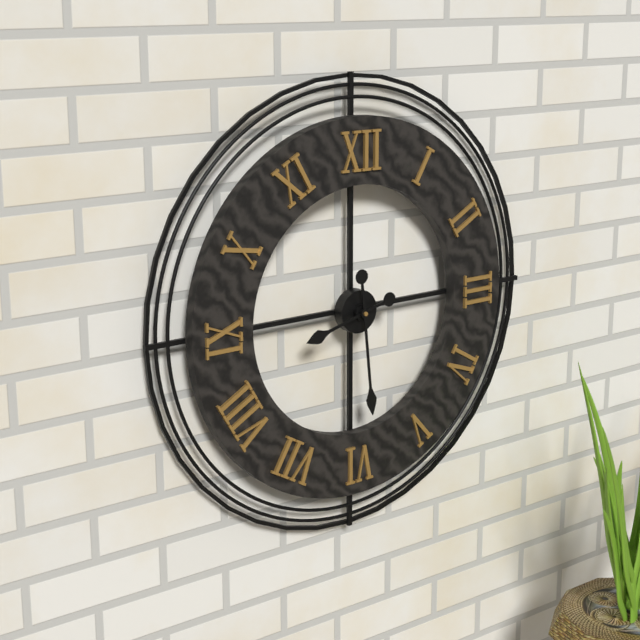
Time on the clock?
8:29
